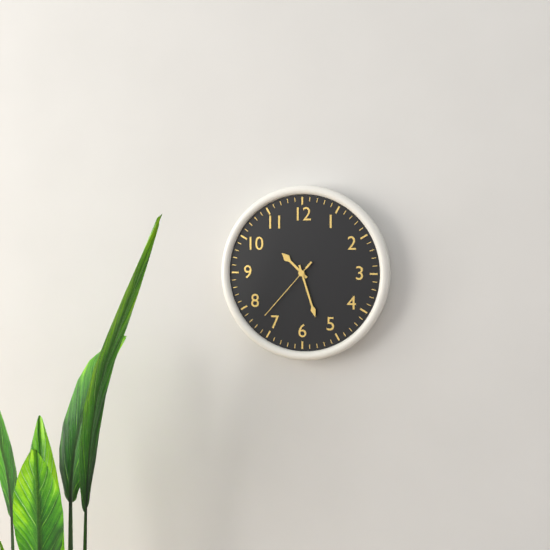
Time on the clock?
10:27:37
